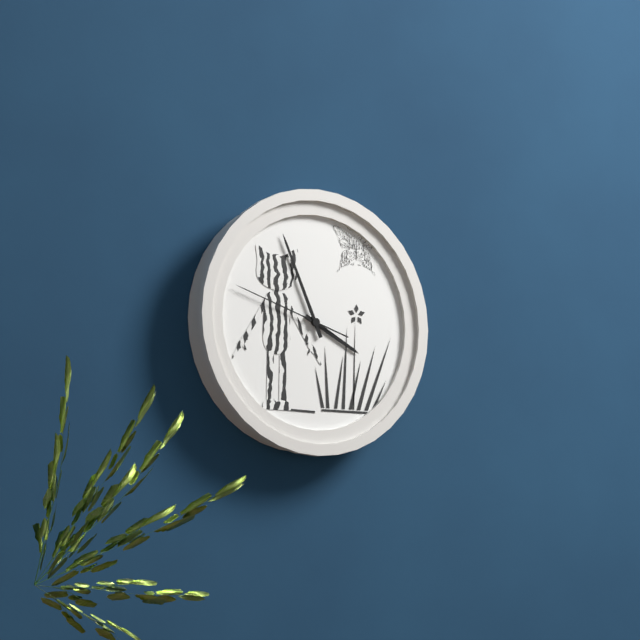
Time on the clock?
3:56:48
